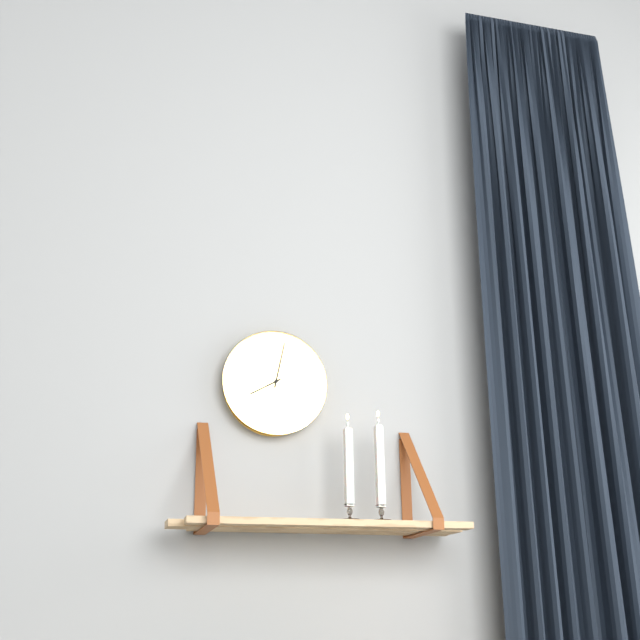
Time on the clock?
8:02
